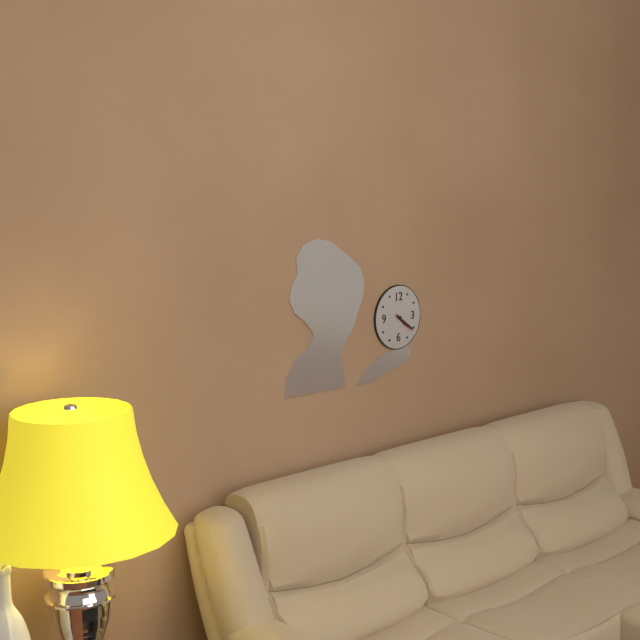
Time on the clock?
4:21
